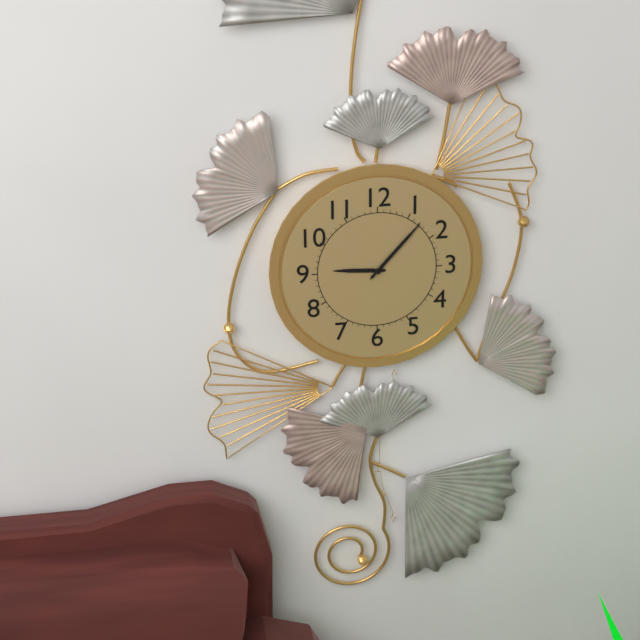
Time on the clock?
9:07
